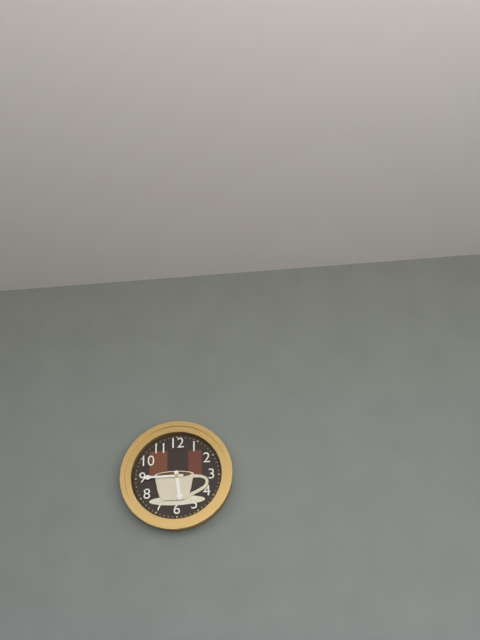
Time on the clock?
5:45
